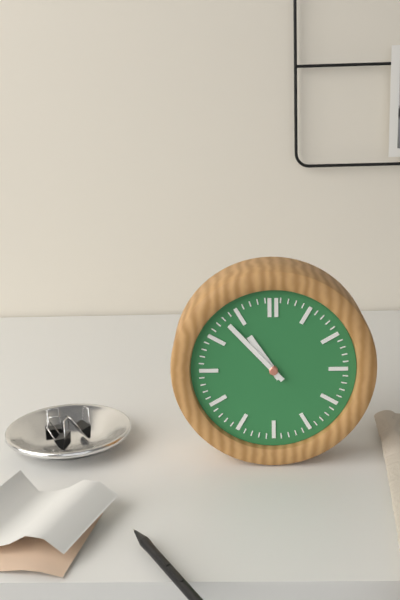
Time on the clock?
10:53
